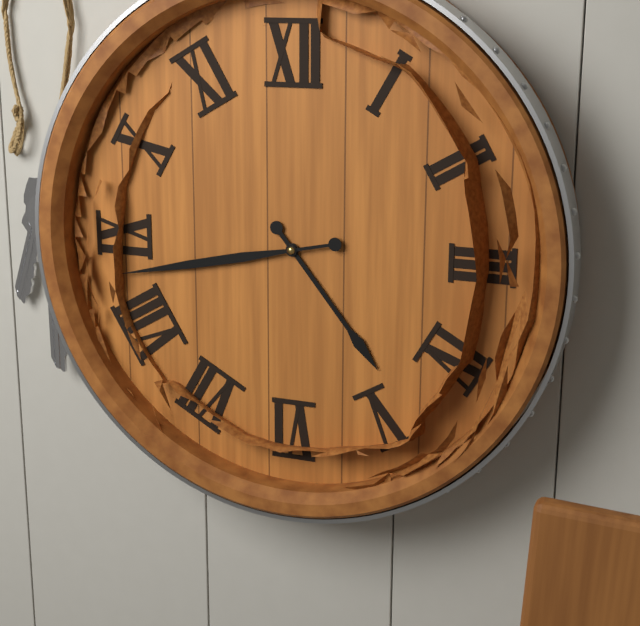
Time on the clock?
4:43
